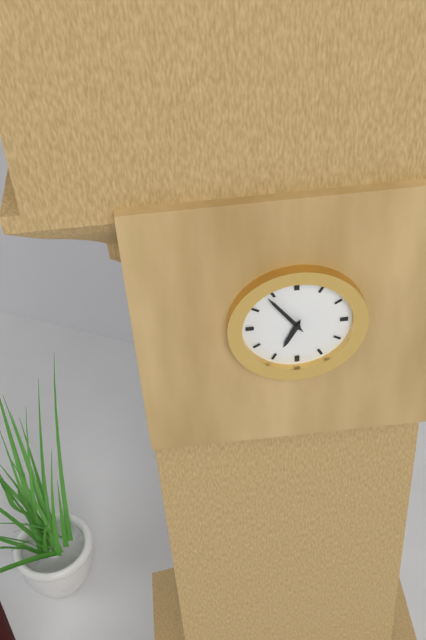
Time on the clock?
6:54
